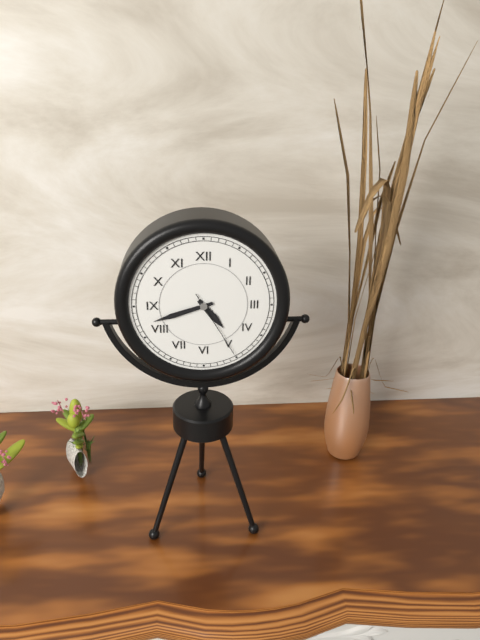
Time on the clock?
4:42:25
